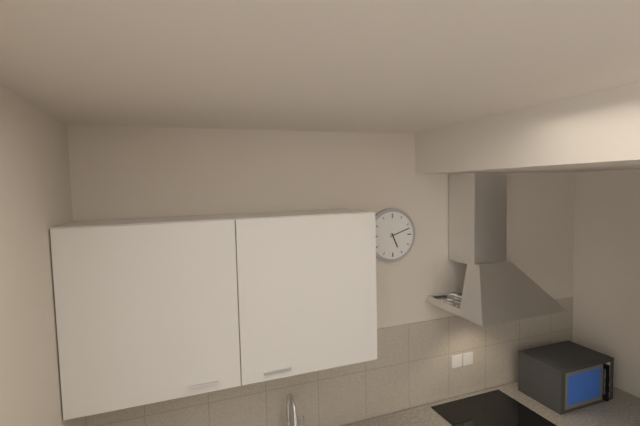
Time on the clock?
5:12
